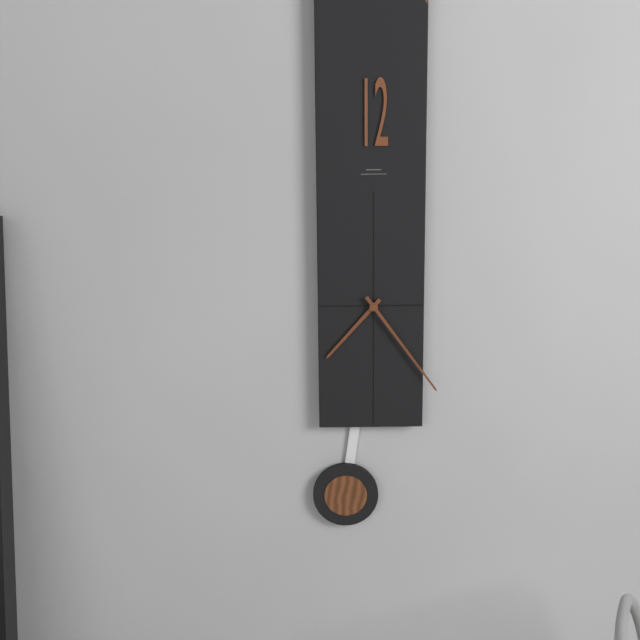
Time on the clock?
7:24
